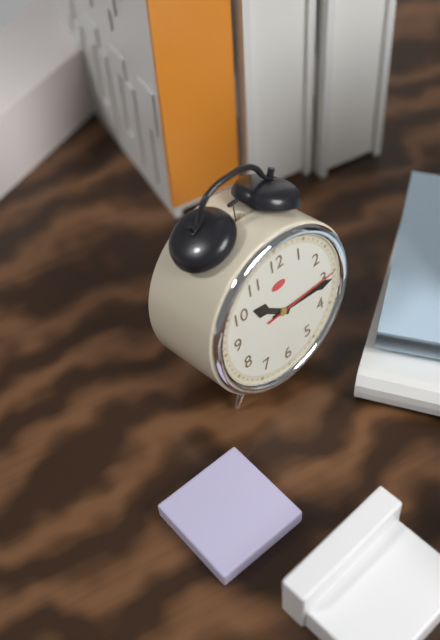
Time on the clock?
10:16:15
